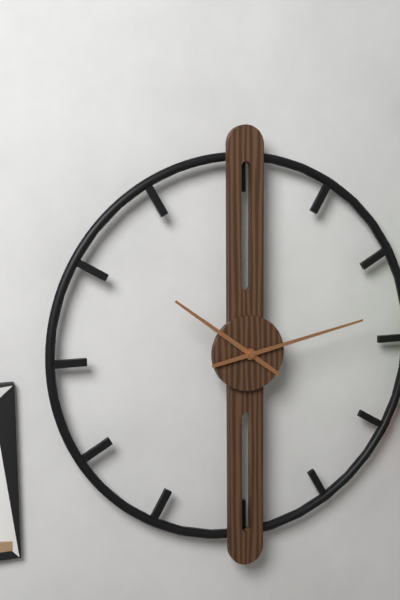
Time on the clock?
10:13
